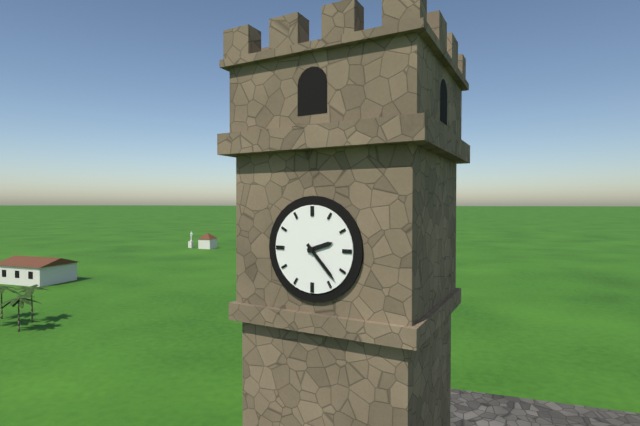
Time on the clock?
2:23
